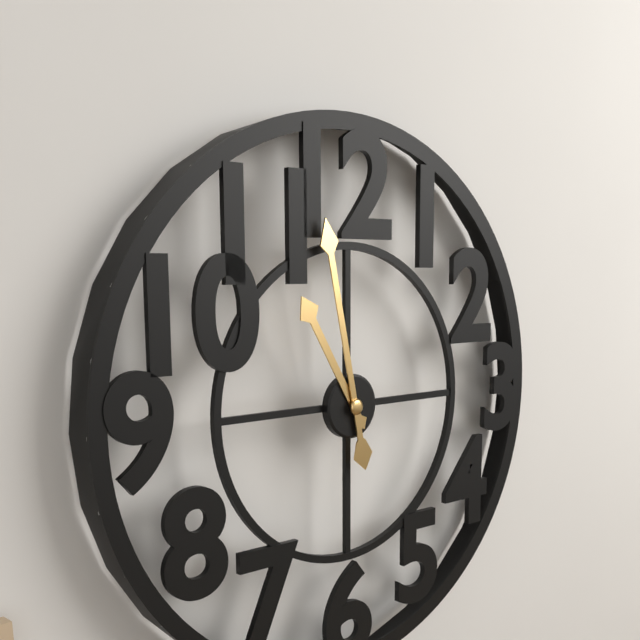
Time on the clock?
10:58
